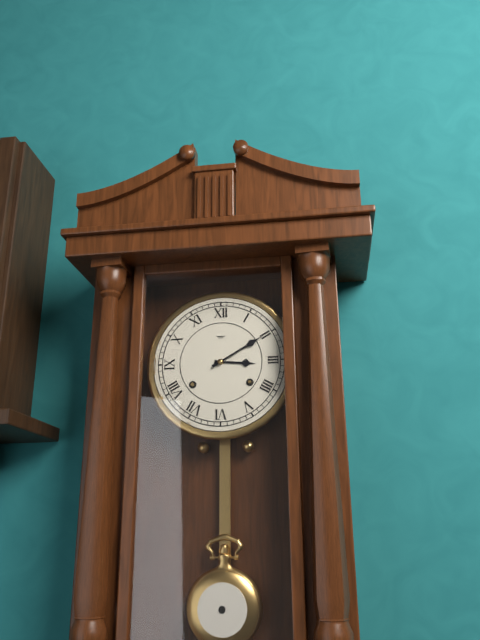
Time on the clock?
3:10
